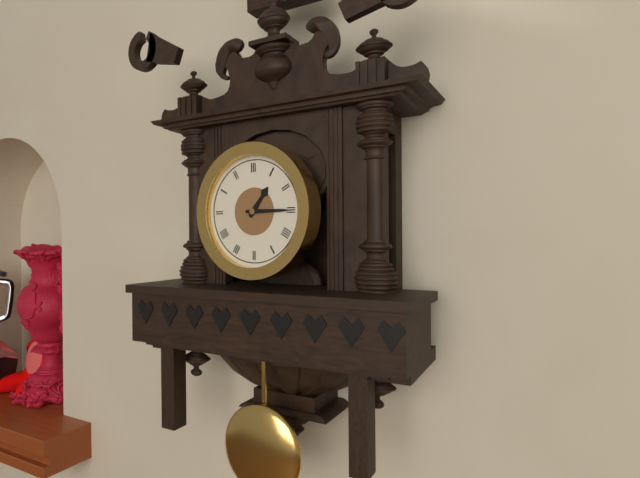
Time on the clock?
1:15
